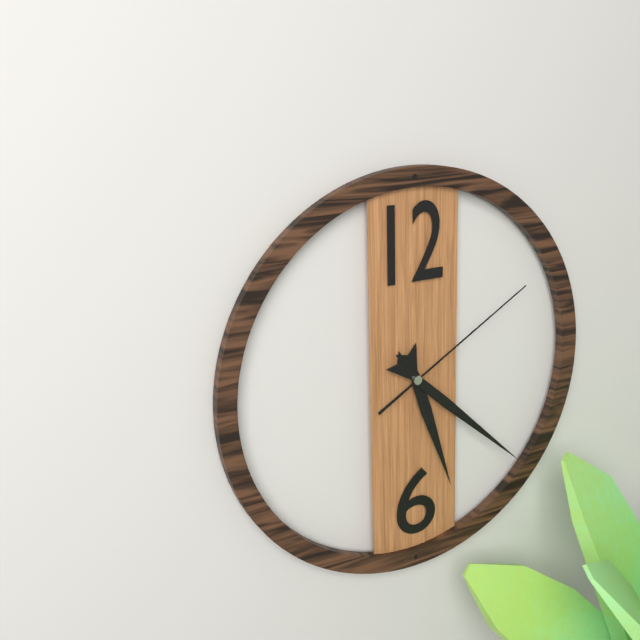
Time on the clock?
5:22:10
